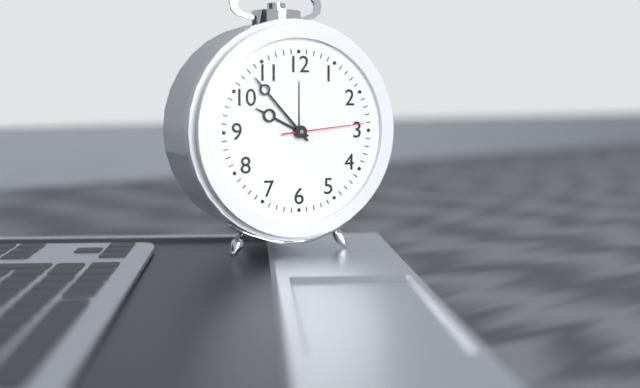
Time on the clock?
9:53:14
